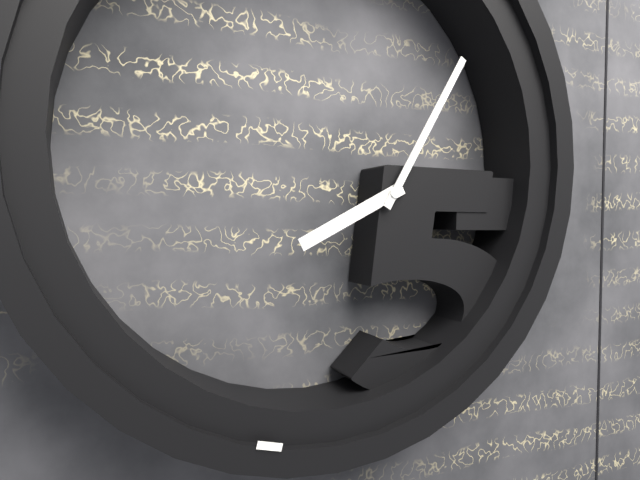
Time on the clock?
8:05
